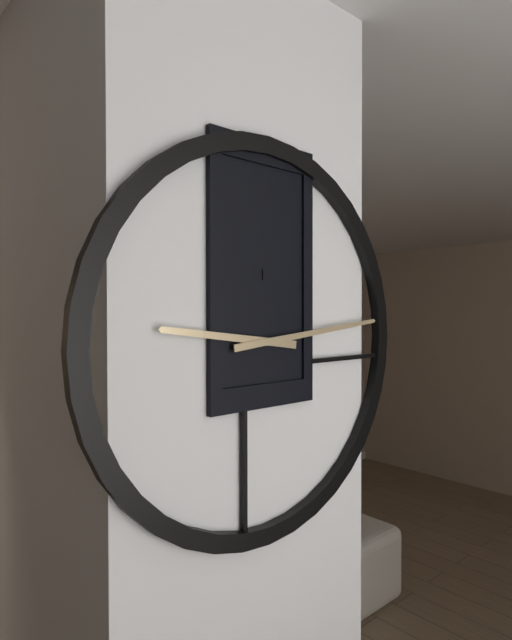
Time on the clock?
9:14
